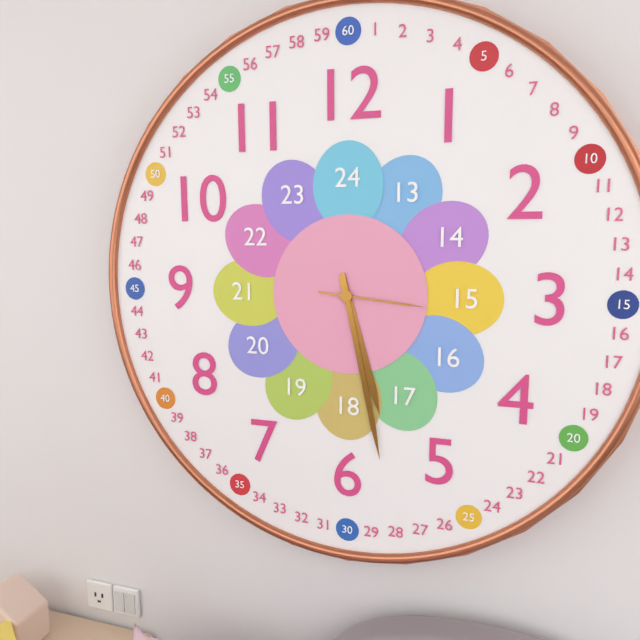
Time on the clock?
5:28:16
